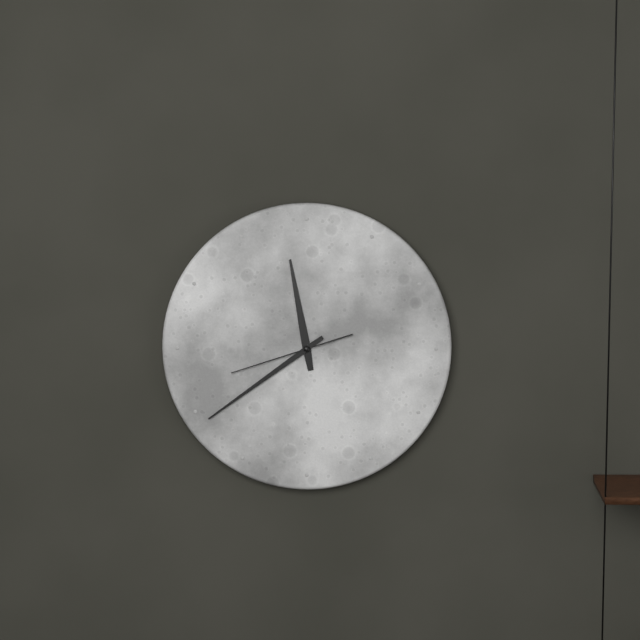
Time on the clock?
11:39:42
